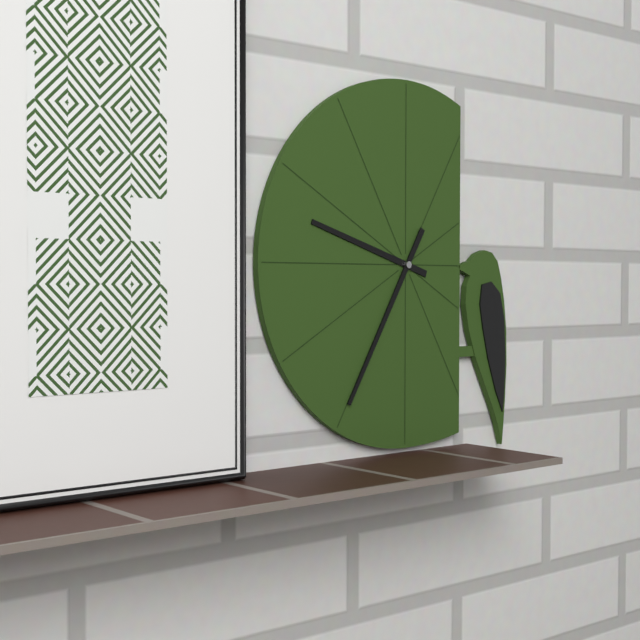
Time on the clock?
9:35
